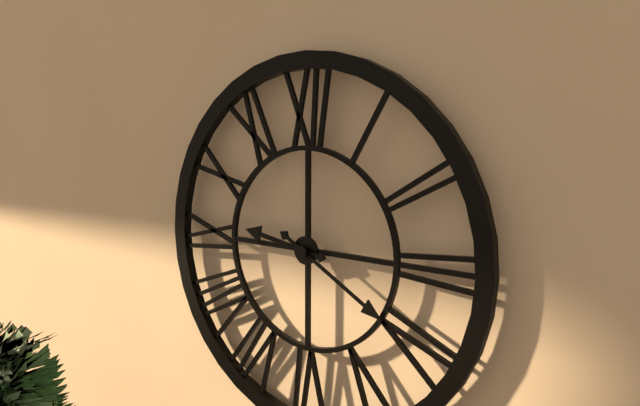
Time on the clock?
9:20
